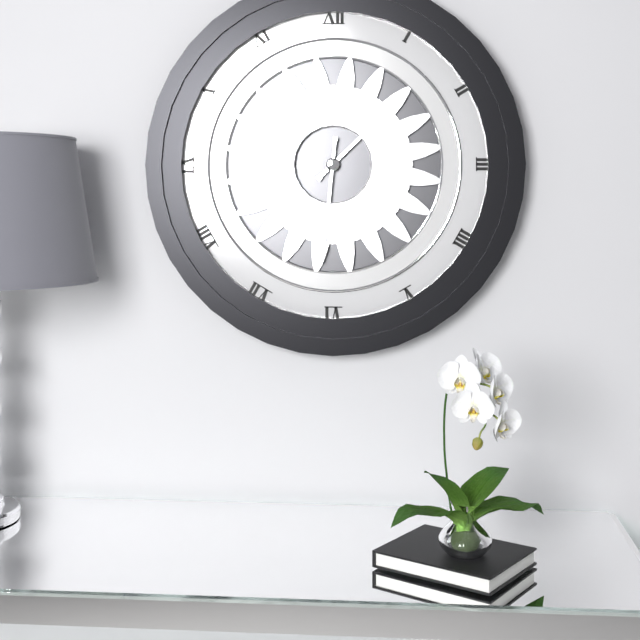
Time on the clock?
1:31
